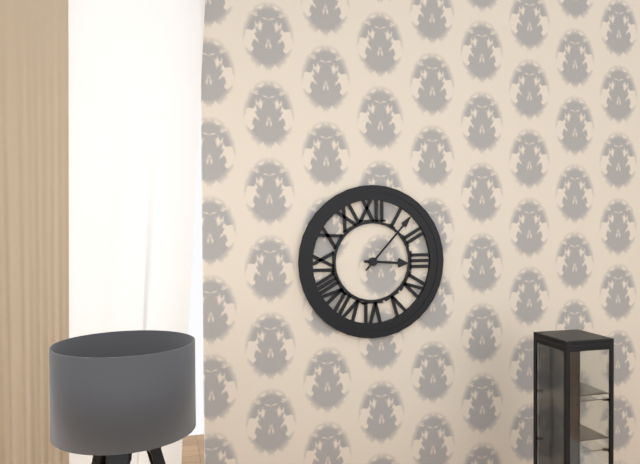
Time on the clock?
3:07
